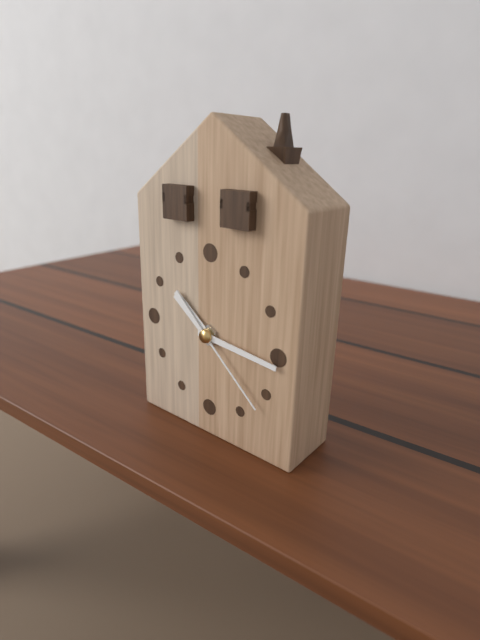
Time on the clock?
10:16:22
